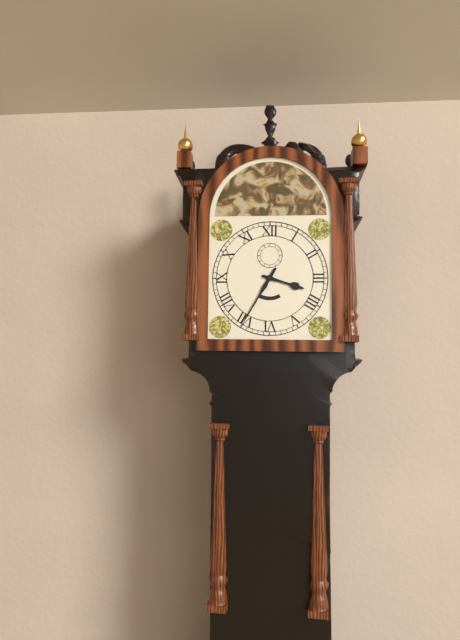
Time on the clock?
3:35
